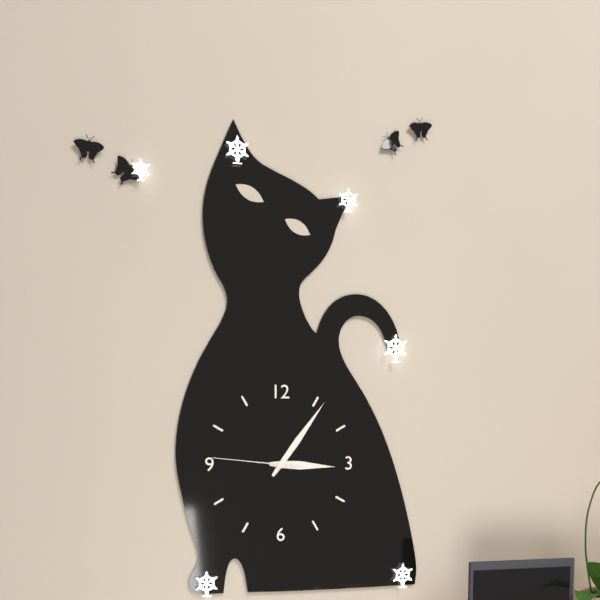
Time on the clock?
3:06:46
